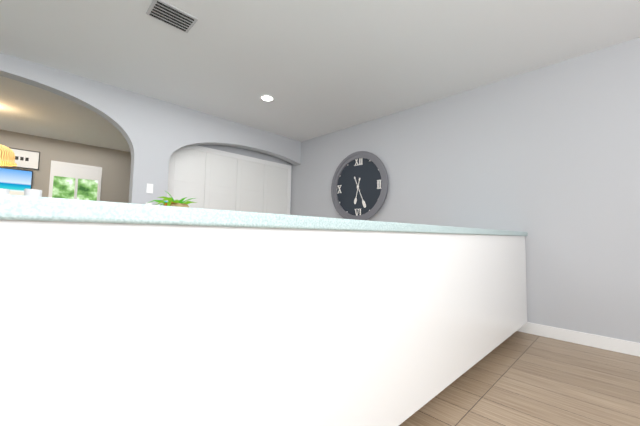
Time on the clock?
6:26
